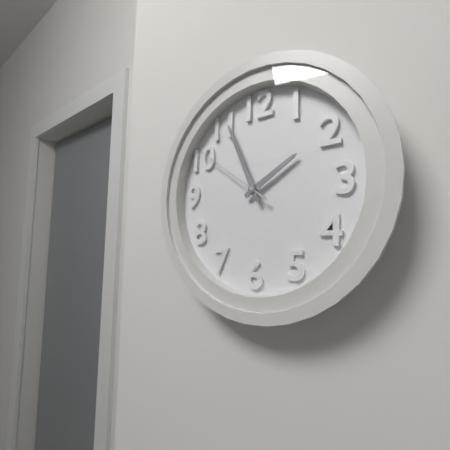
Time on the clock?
1:56:51
